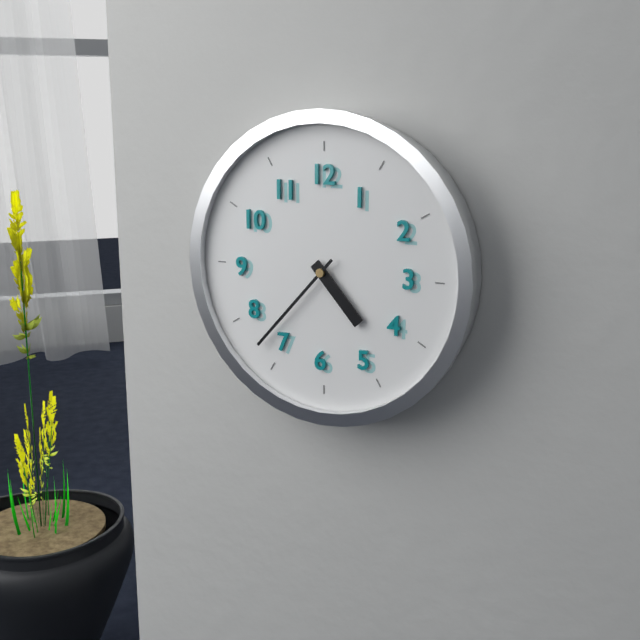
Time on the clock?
4:37
